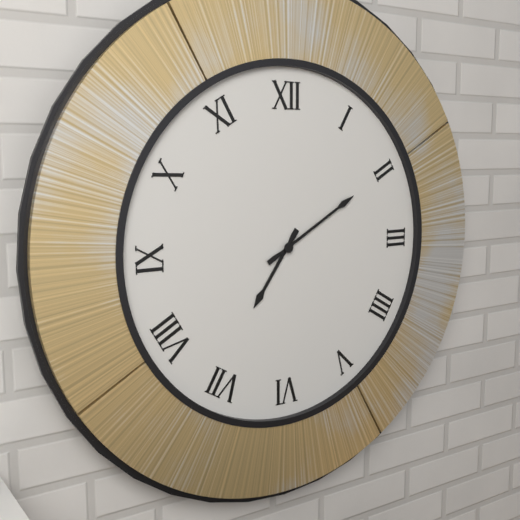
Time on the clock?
7:10
